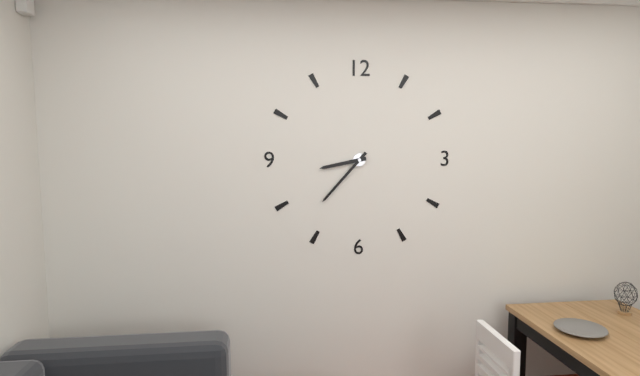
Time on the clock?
8:37
